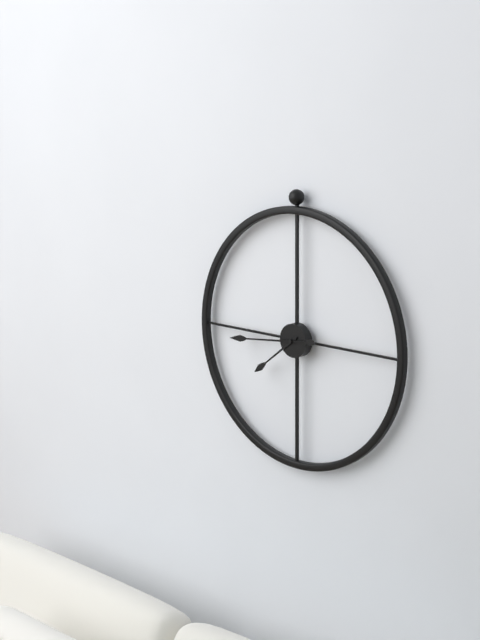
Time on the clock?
7:44
